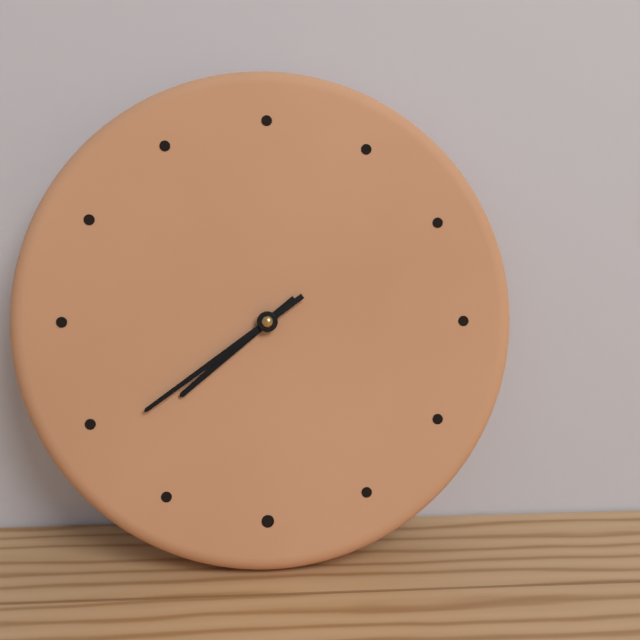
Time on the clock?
7:39
